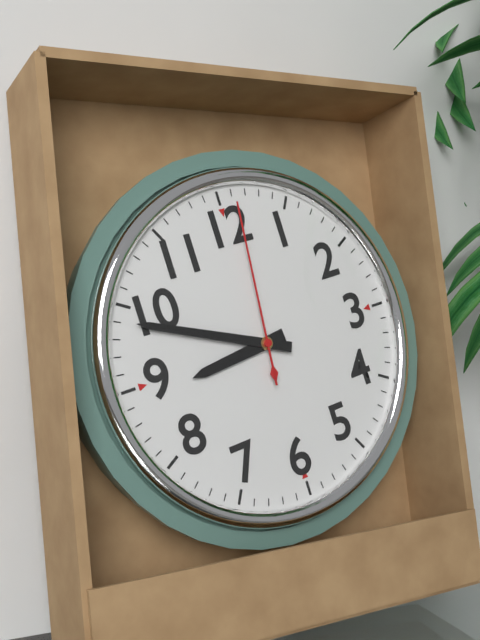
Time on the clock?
8:49:01
